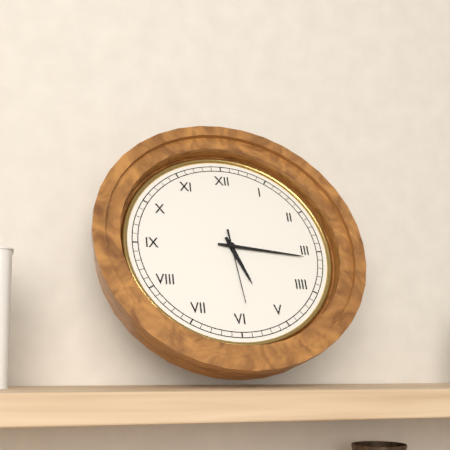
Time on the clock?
5:16:29
